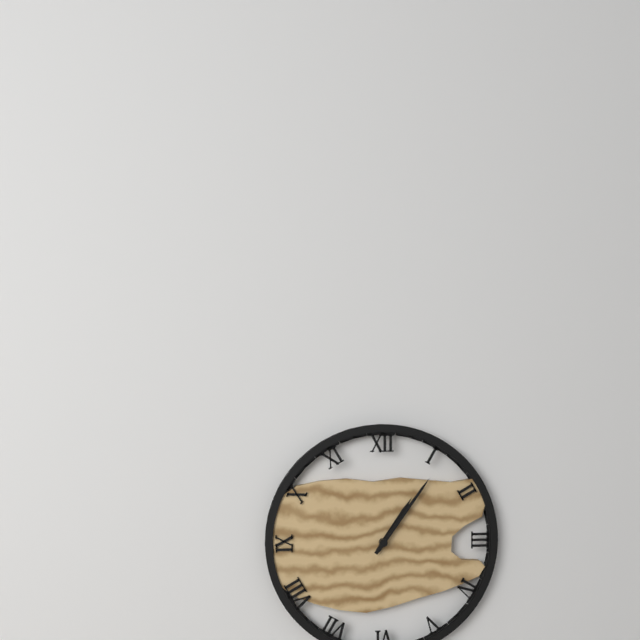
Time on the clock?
1:06
